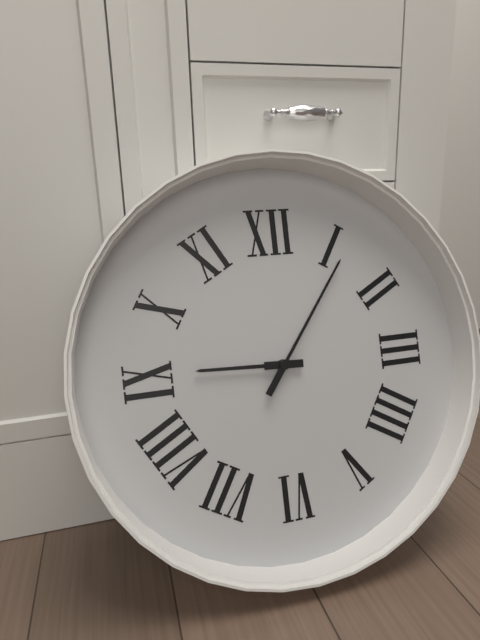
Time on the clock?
9:06
